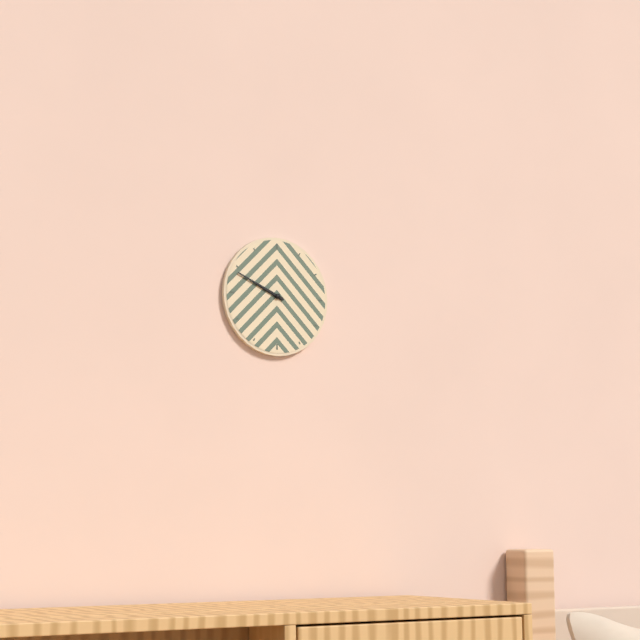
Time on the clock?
9:49
